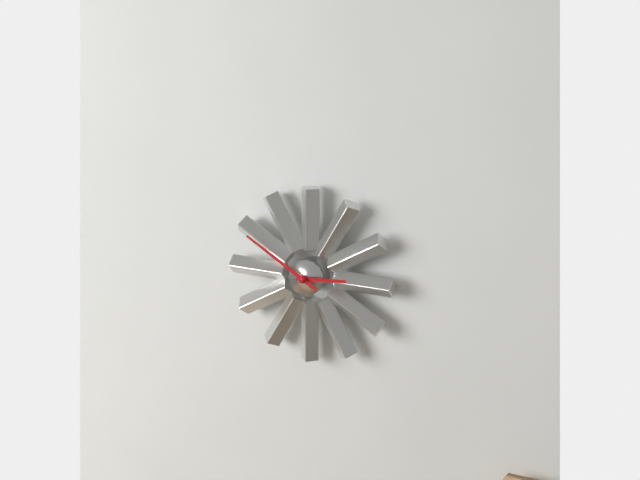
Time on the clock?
2:50
